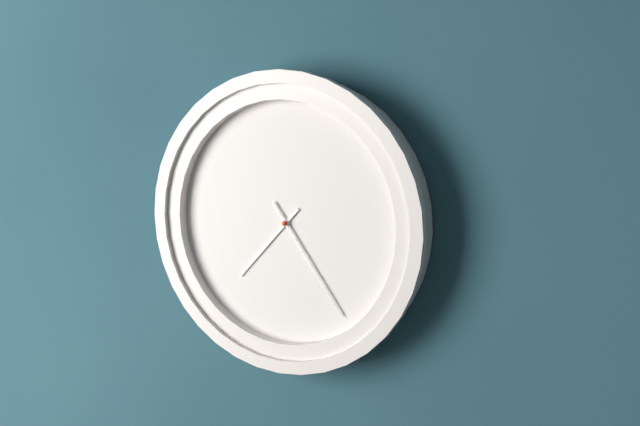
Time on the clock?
7:24
